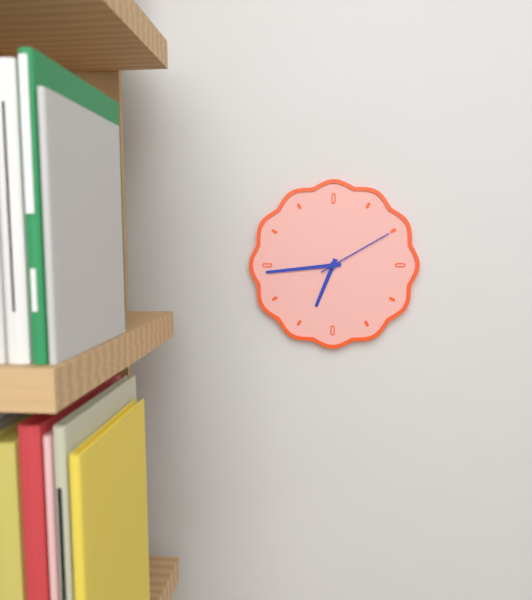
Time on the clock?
6:44:10
